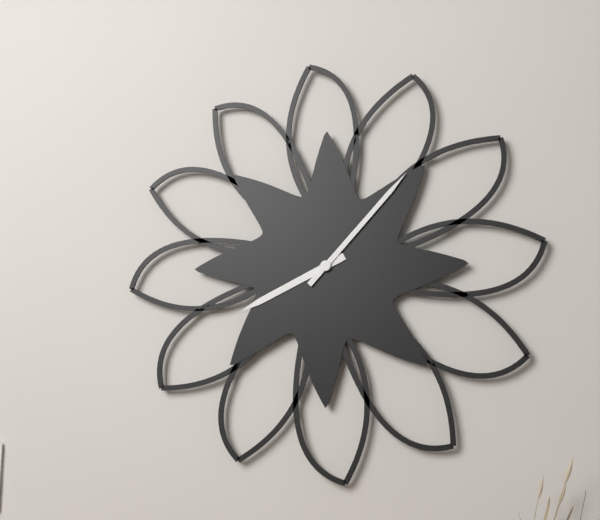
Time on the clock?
8:07
